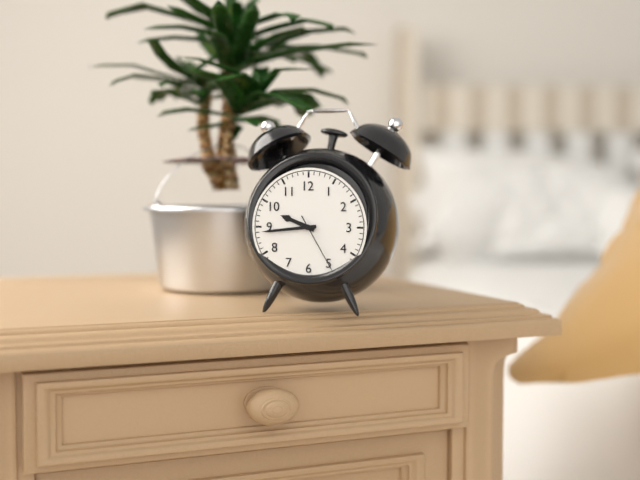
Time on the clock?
9:44:25
